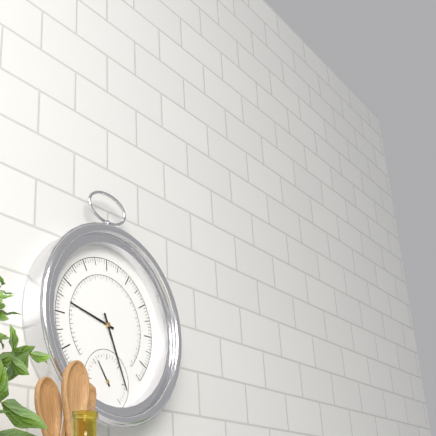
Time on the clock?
9:26
